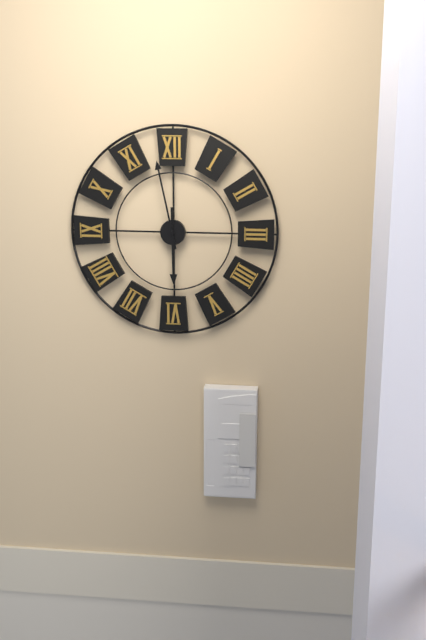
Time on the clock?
5:58
